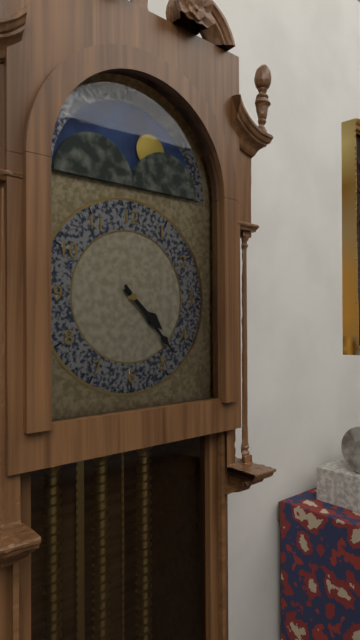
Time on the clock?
4:23
